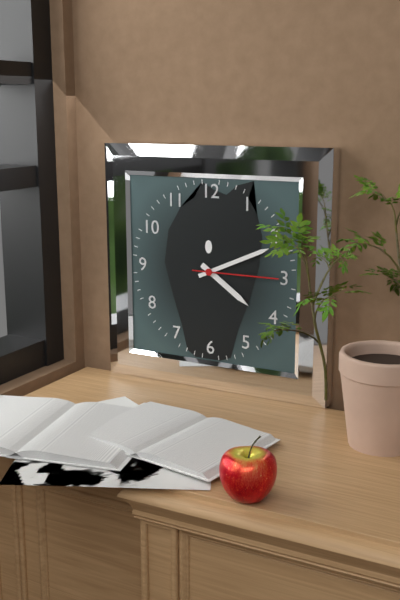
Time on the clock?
4:11:15
